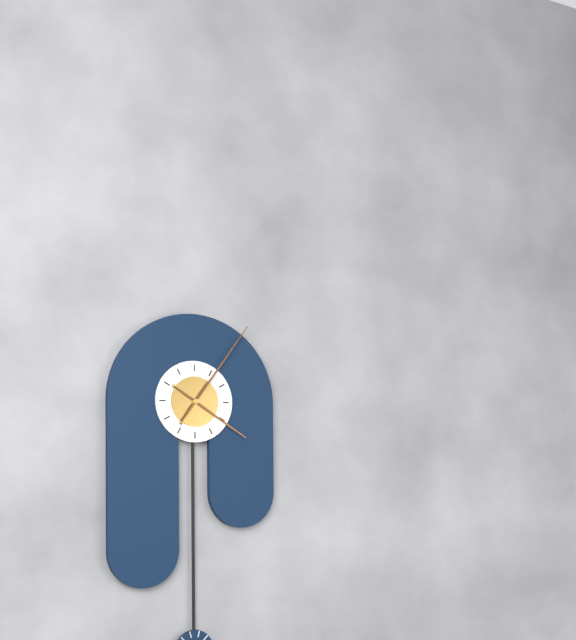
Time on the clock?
4:06
